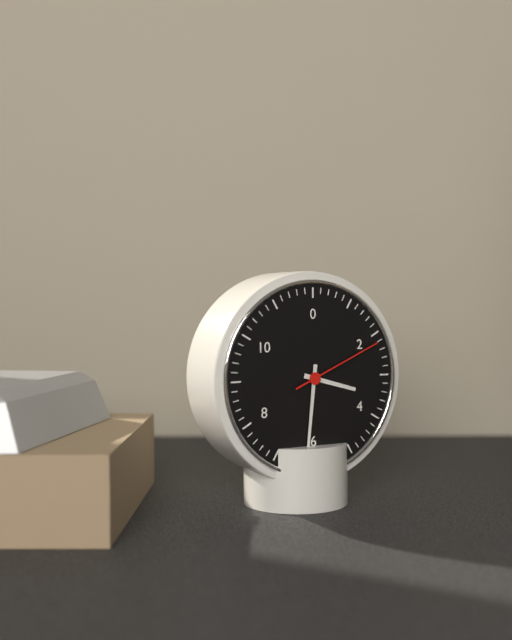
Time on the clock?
3:31:11
